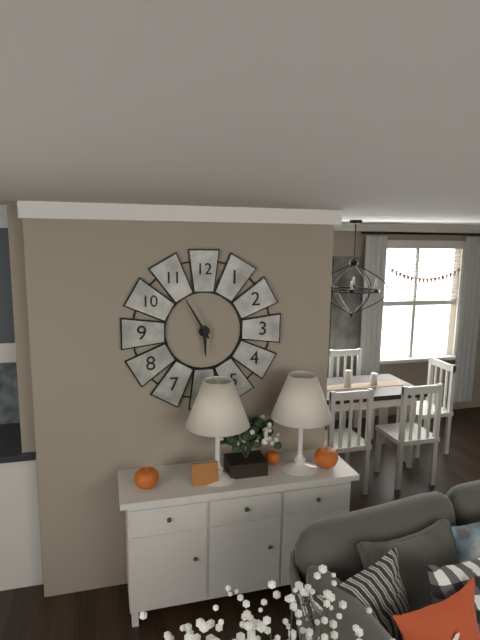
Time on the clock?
5:55
